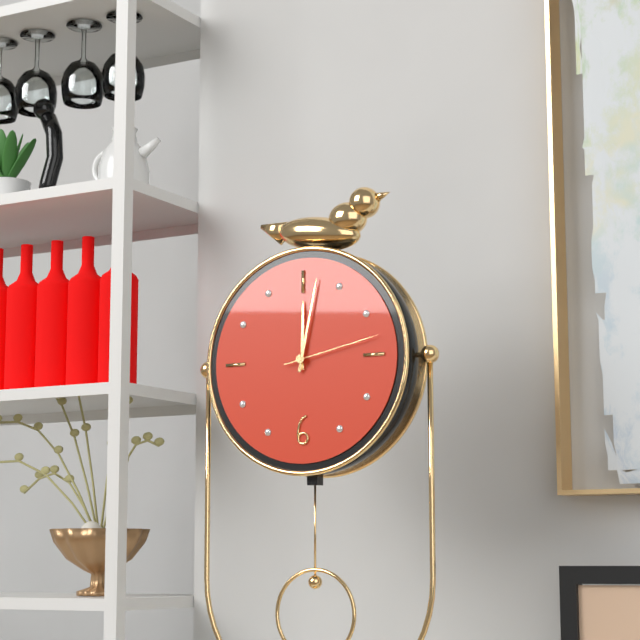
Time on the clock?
12:02:13
